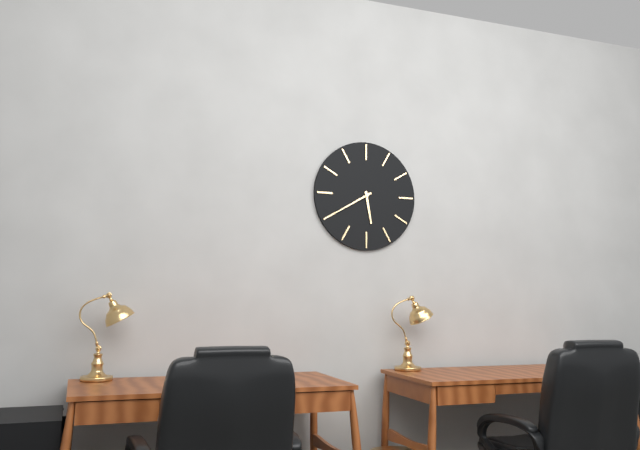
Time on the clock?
5:40
